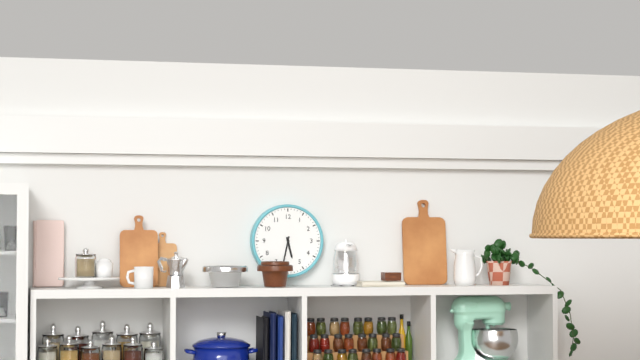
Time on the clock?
5:32
